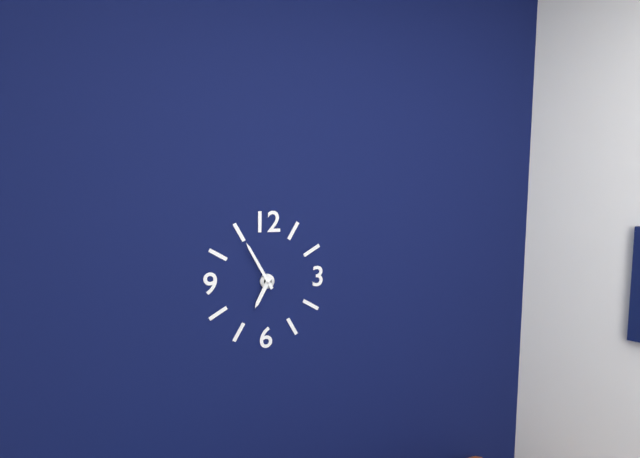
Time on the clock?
6:55
